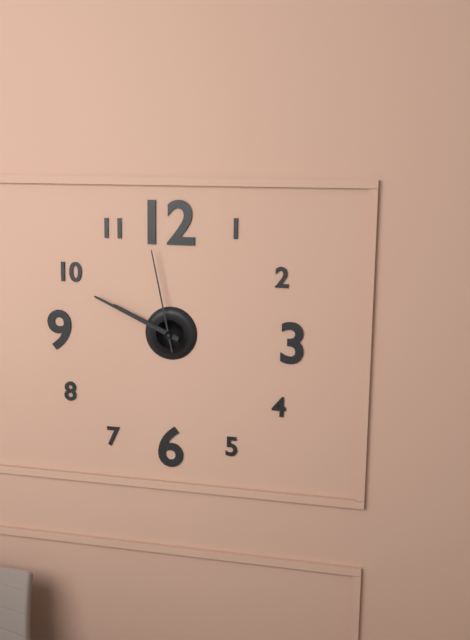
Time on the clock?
9:49:58
